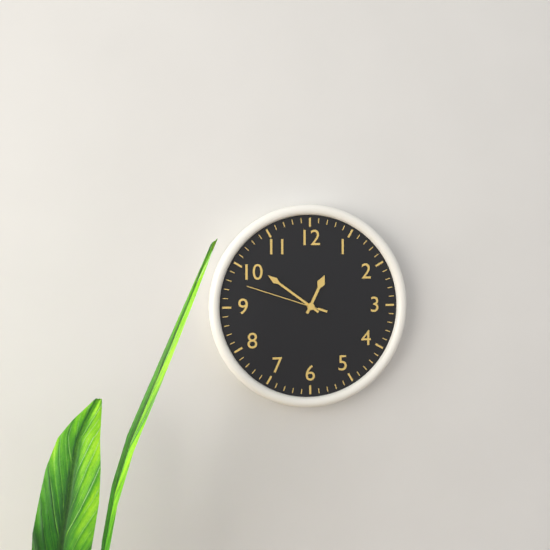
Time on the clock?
12:51:48
